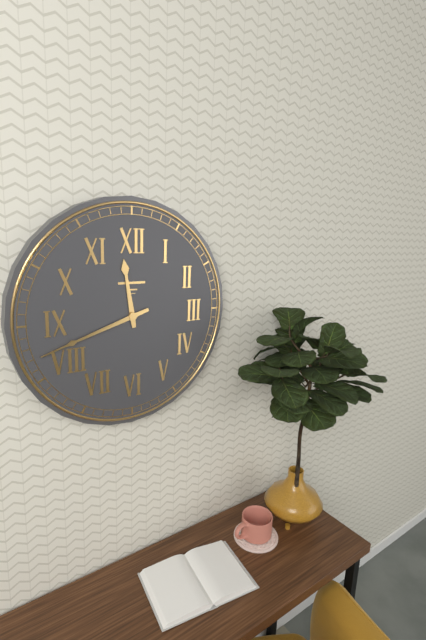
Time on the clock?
11:42
